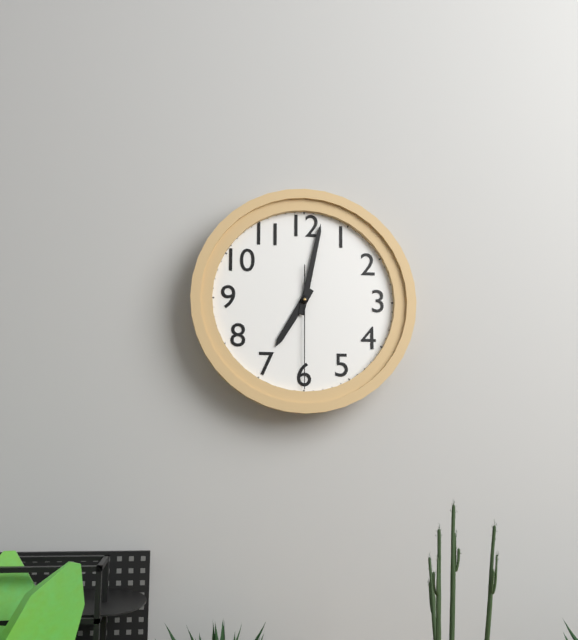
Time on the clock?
7:02:30
